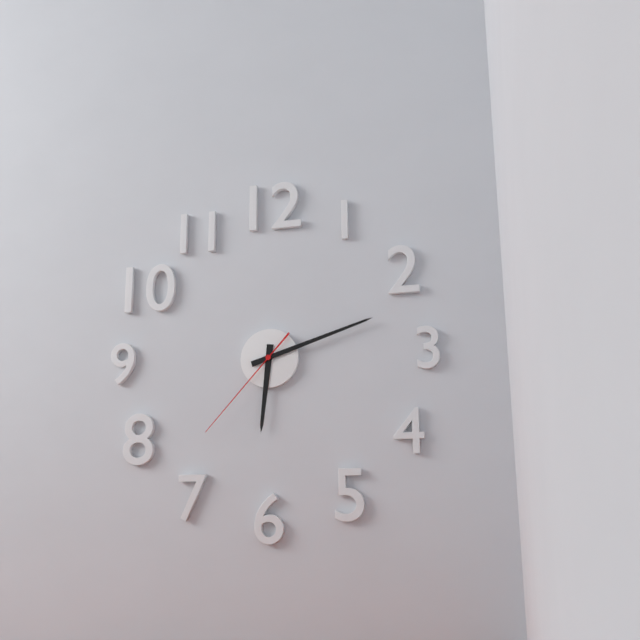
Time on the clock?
6:12:37
